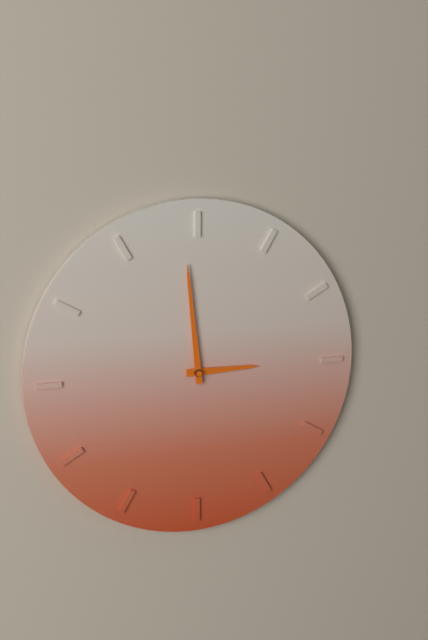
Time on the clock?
2:59
